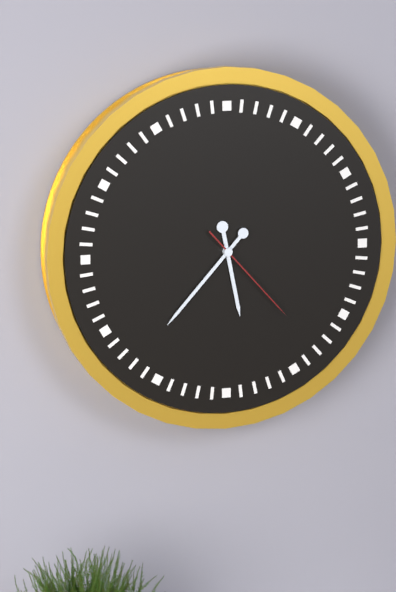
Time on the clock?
5:37:23
